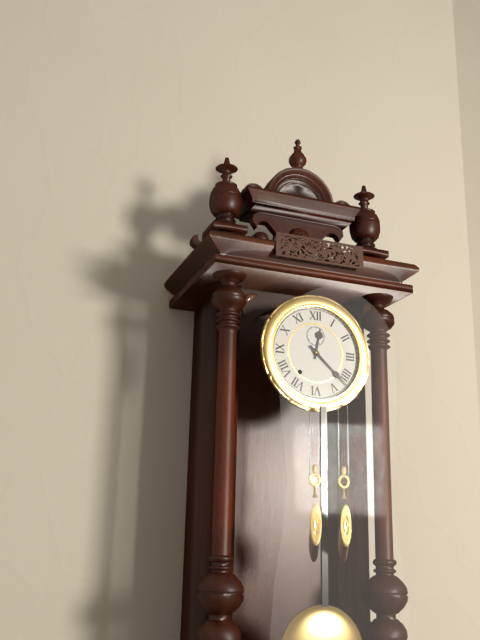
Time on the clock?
12:22
